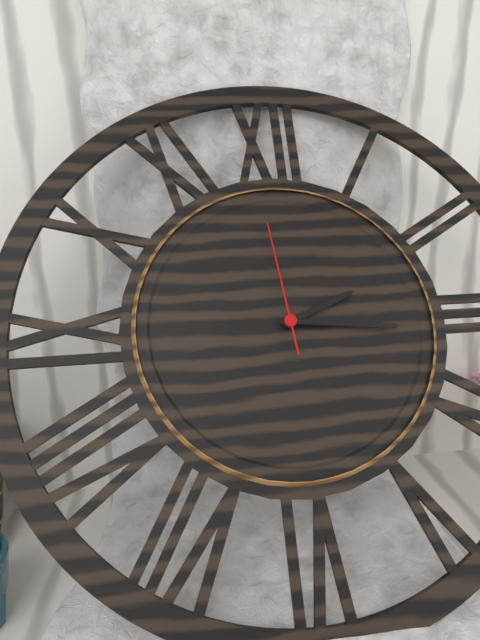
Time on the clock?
2:16:59
